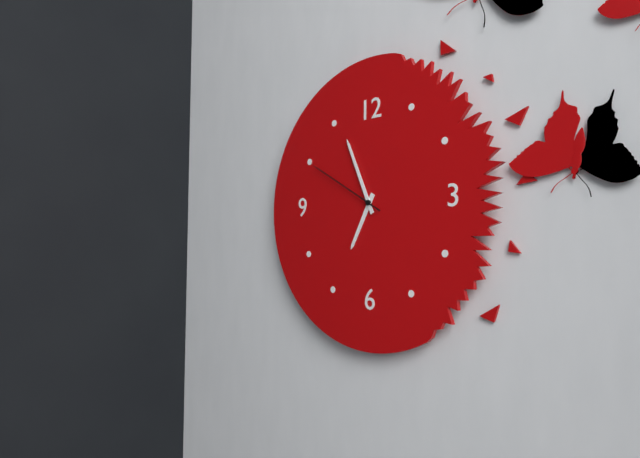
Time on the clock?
6:56:50
